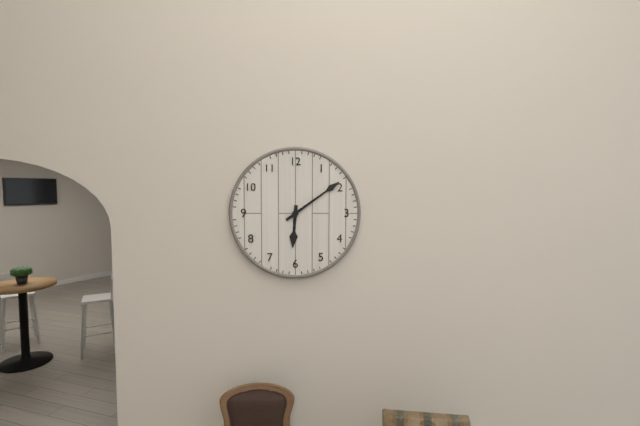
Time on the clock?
6:09
